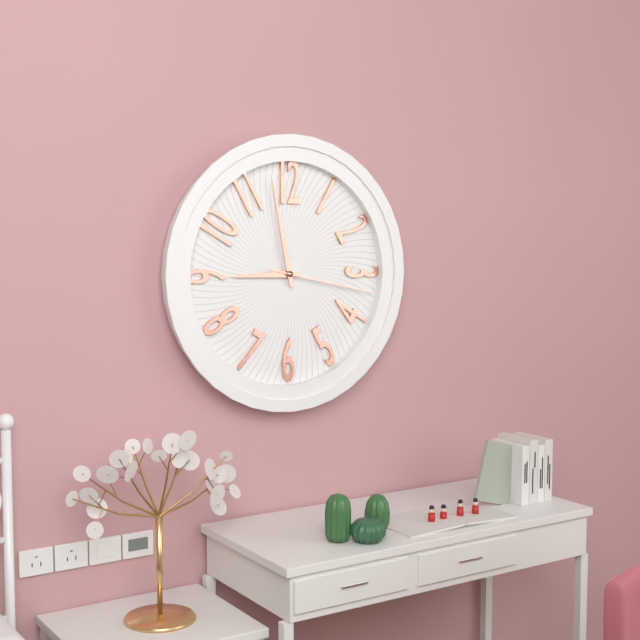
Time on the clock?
8:58:17
